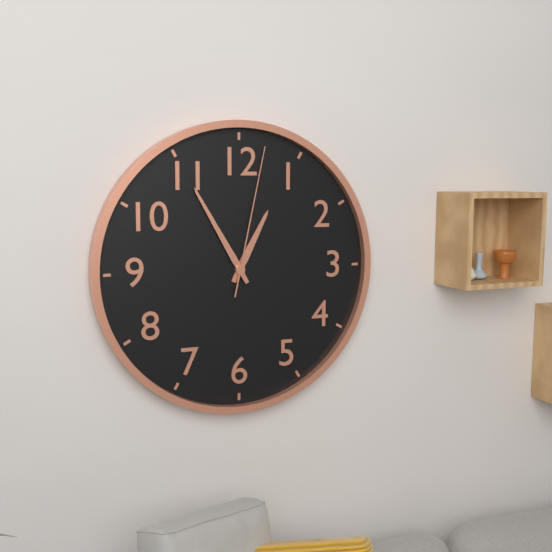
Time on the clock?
12:55:02
